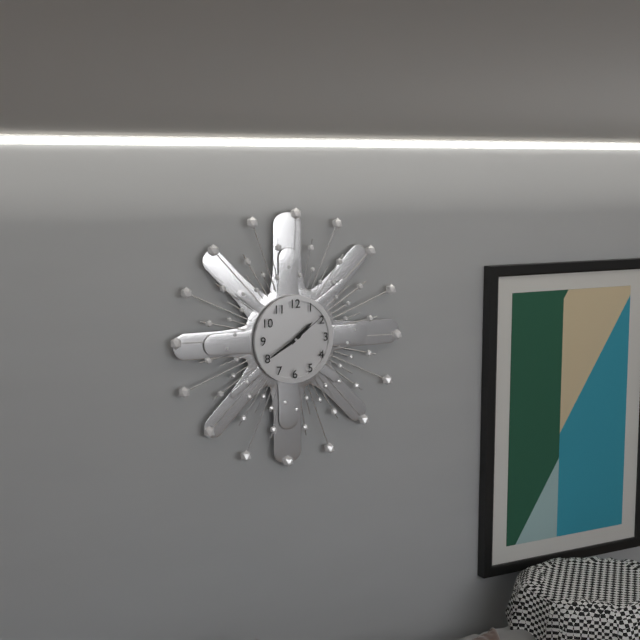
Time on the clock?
1:40
